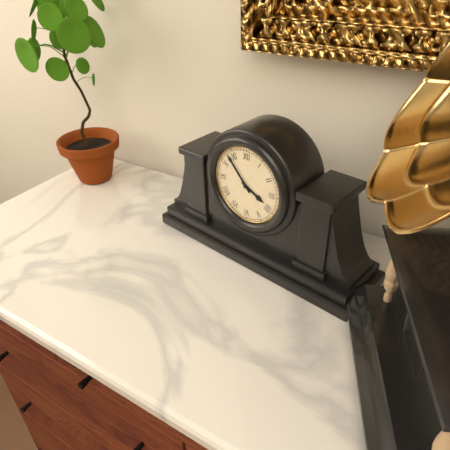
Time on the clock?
3:53
